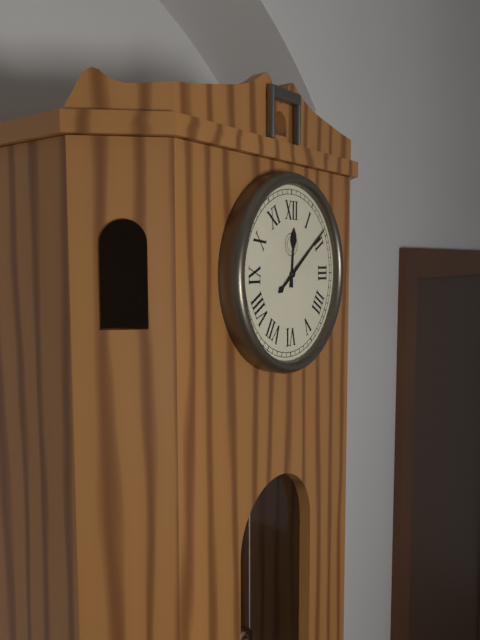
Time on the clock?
12:09
